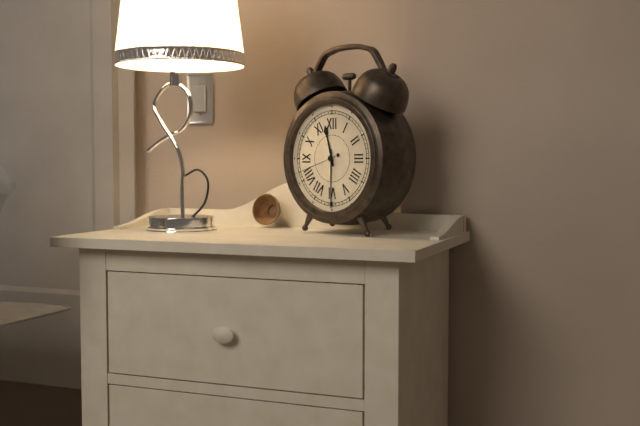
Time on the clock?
11:30:42
